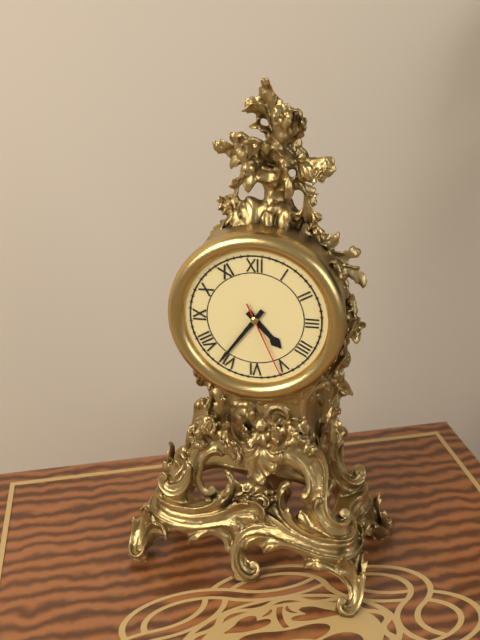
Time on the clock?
4:36:26
